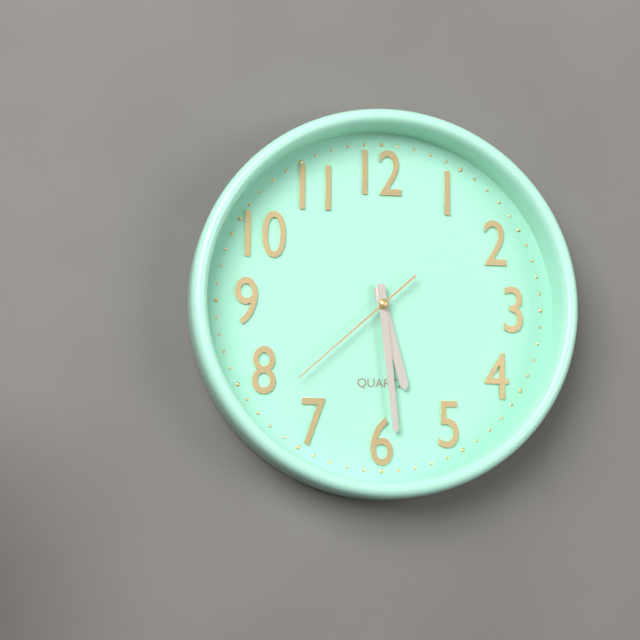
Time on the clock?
5:29:38
